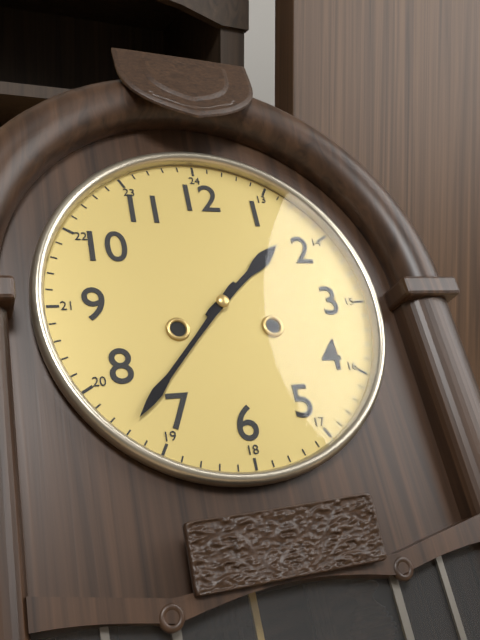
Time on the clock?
1:37
